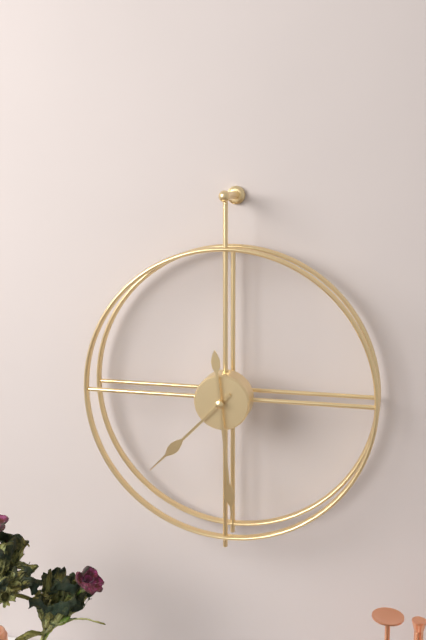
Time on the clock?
7:29
